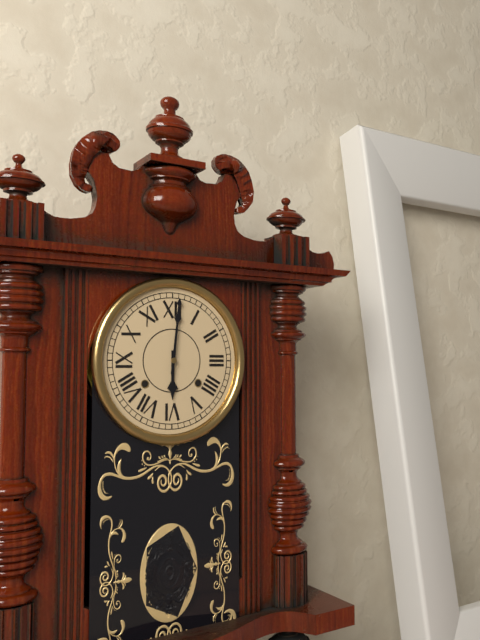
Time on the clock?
6:01
